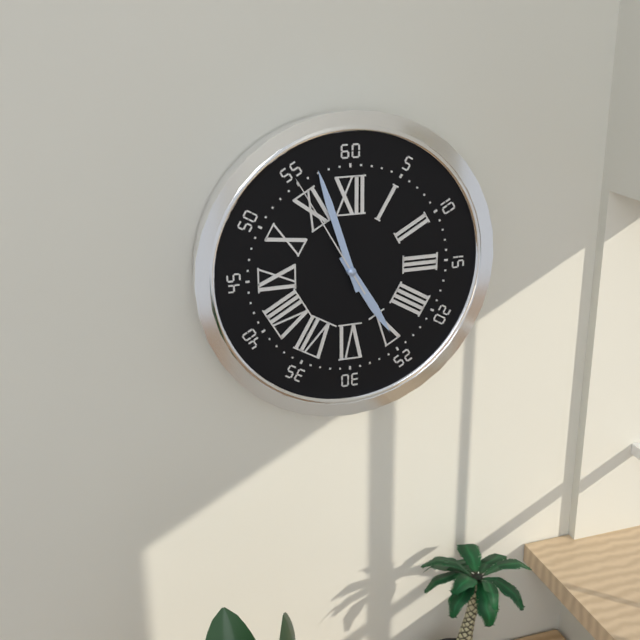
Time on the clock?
4:57:55
